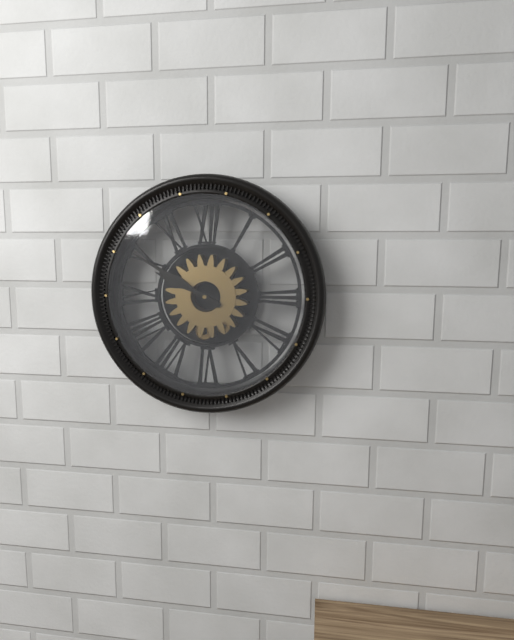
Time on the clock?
9:50
